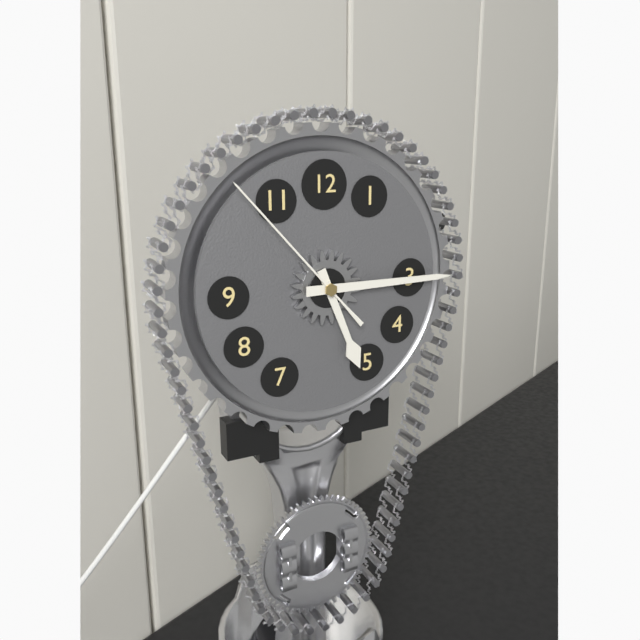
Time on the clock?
5:15:53
